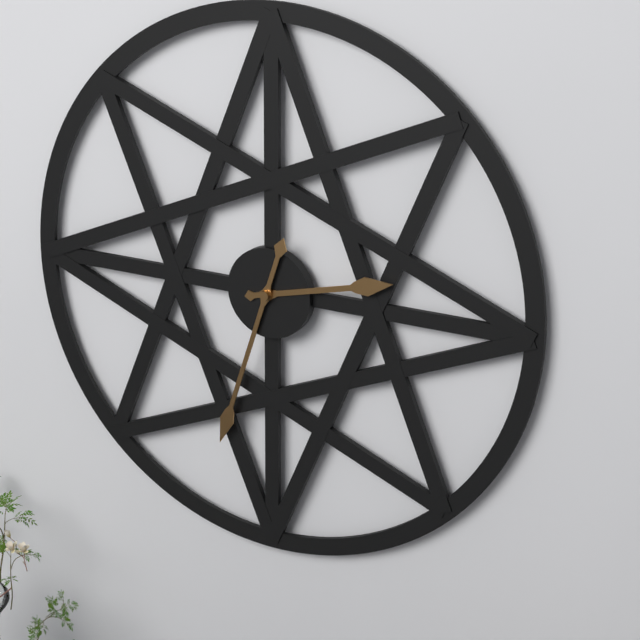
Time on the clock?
2:33
